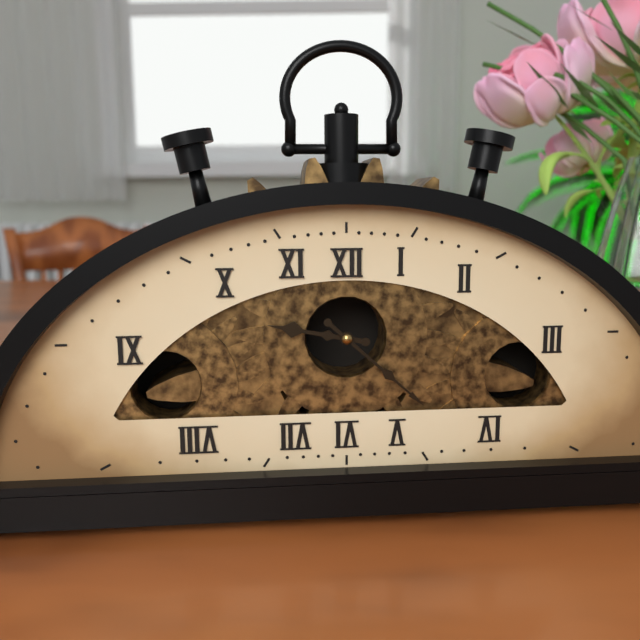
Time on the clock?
9:22
